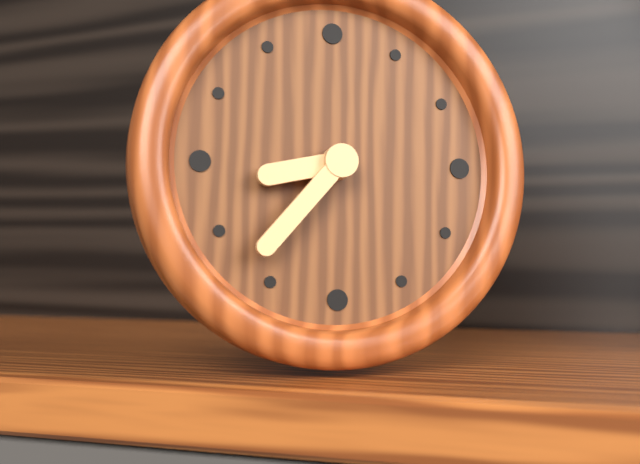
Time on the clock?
8:37
